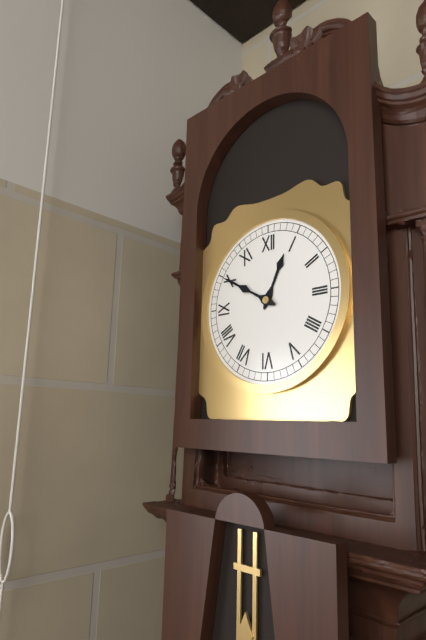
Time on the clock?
12:50
